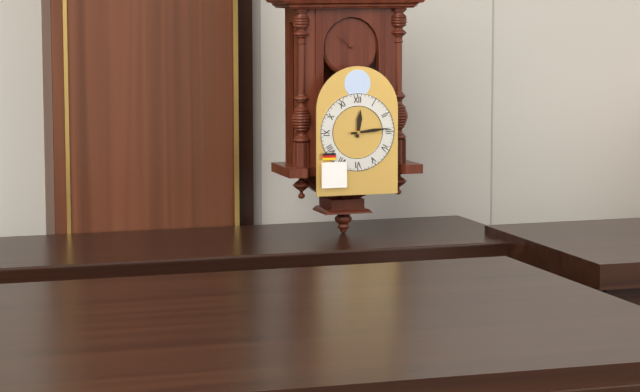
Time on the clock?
12:14
